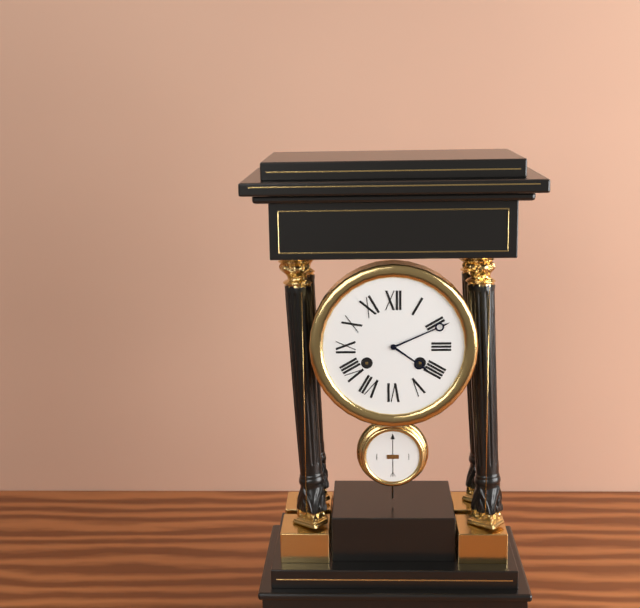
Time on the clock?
4:11
